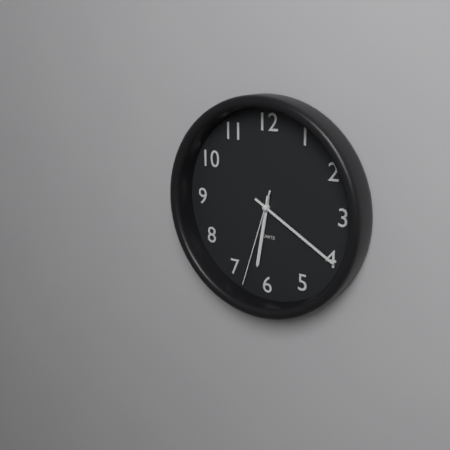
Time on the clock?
6:20:33
